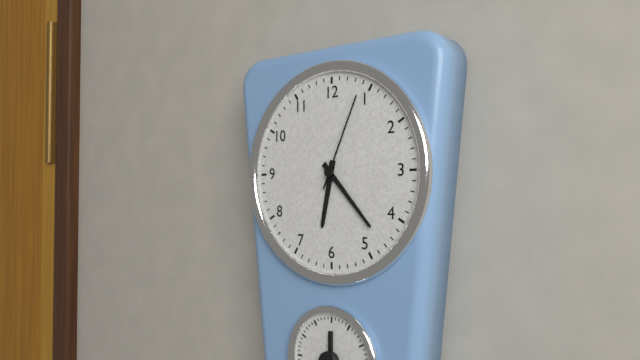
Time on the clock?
6:23:04
